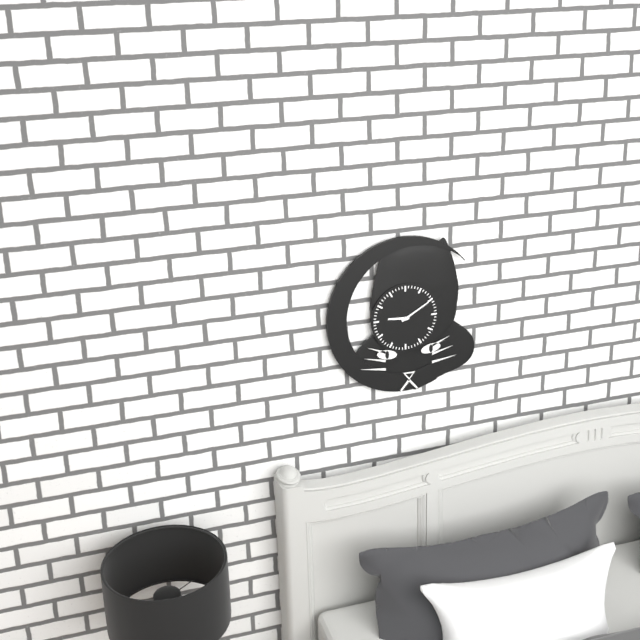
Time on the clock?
9:10
